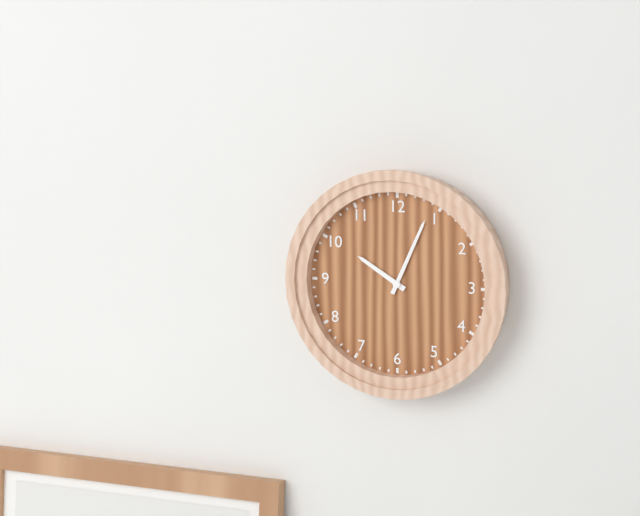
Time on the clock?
10:04
